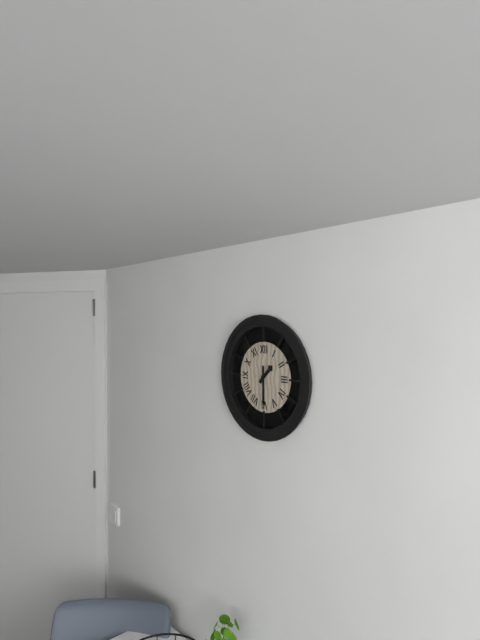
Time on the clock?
1:30
